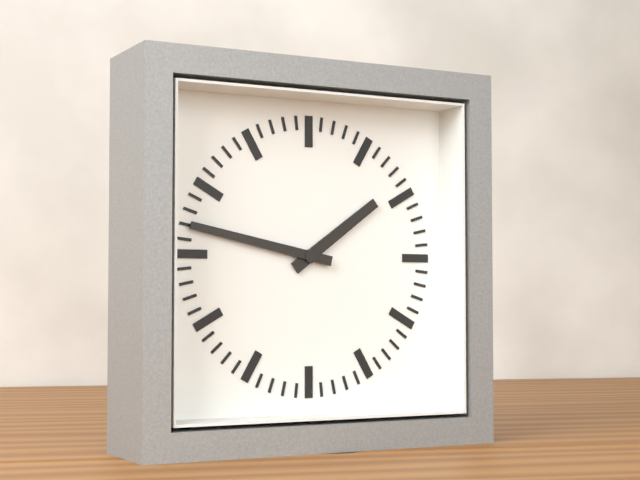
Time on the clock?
1:47
